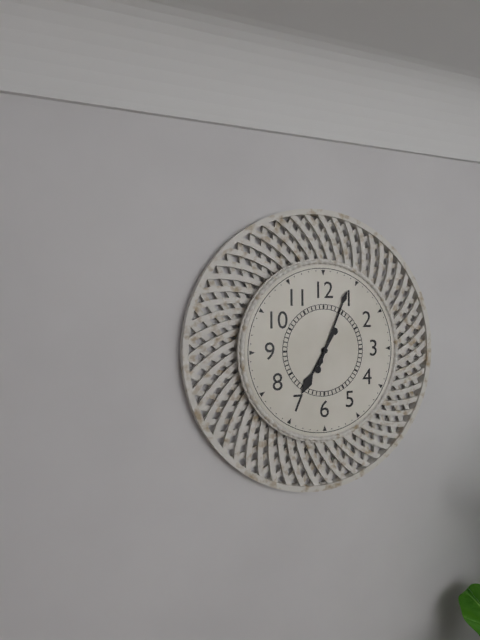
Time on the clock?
7:04
